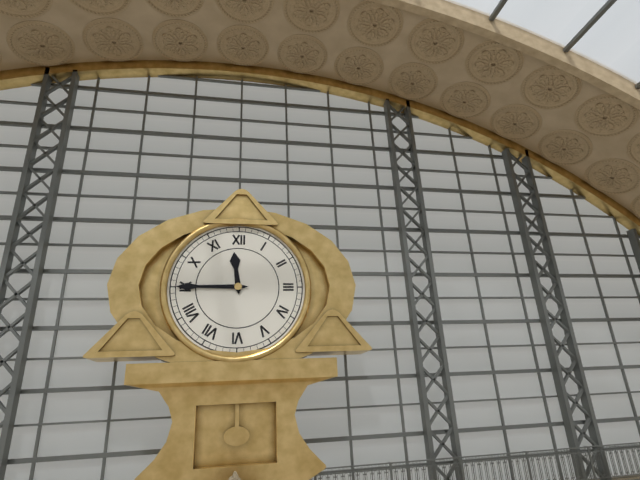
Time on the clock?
11:45
